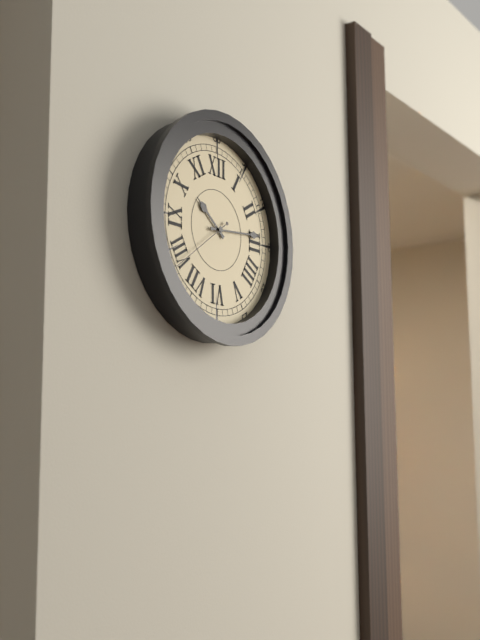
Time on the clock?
10:14:39
